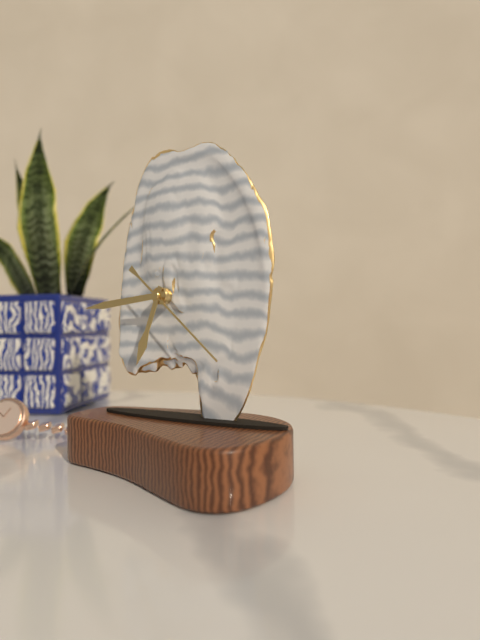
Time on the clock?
6:44:22
